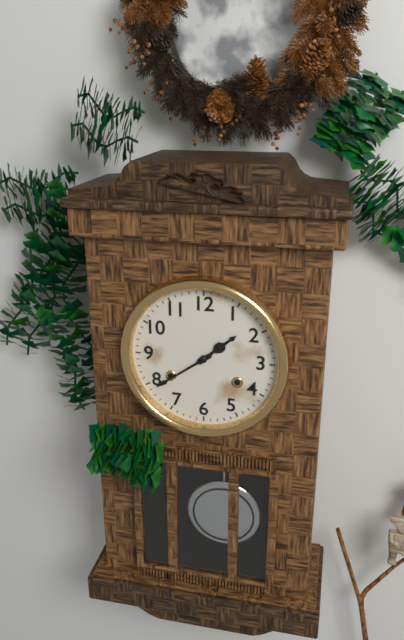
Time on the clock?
1:39
